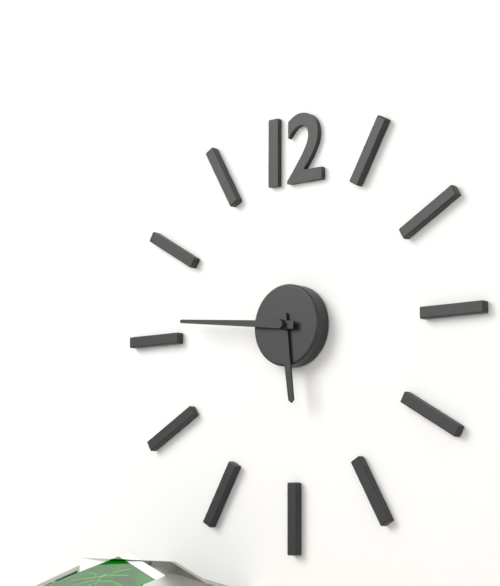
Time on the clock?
5:46
